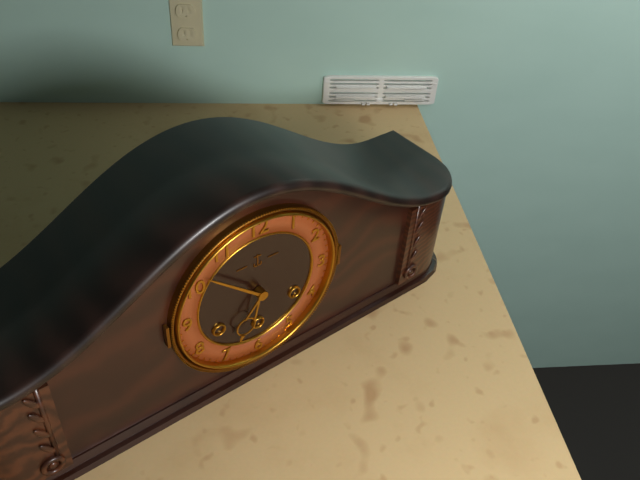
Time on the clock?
6:52
